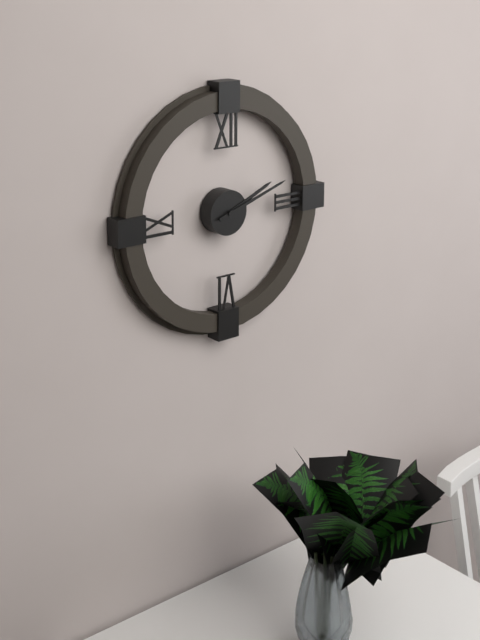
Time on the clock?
2:12
